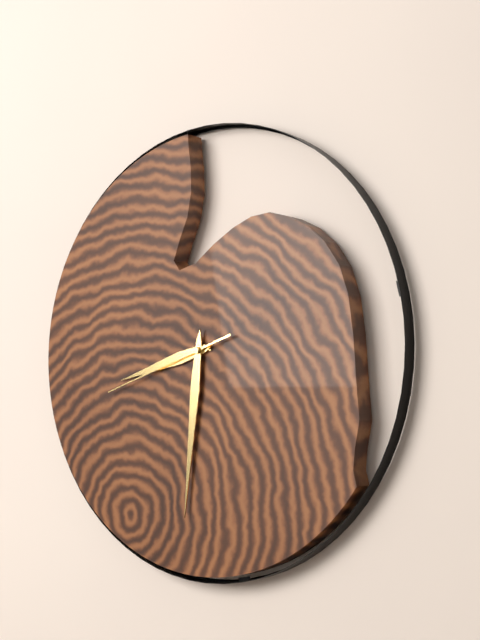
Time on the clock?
8:31:42
